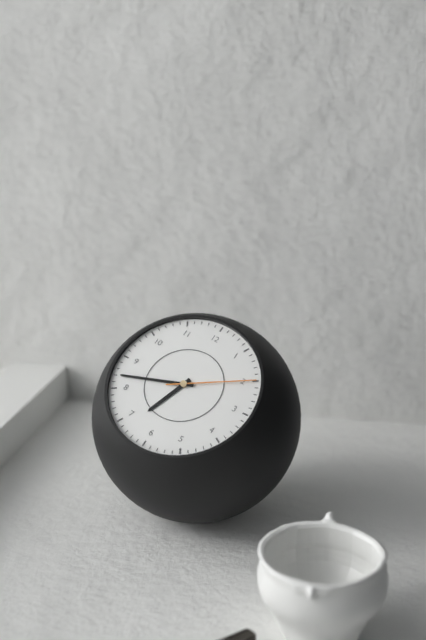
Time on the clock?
6:42:10
